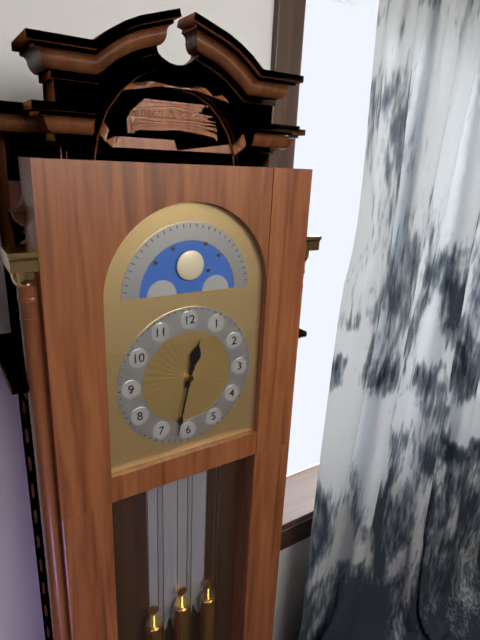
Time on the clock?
12:32
